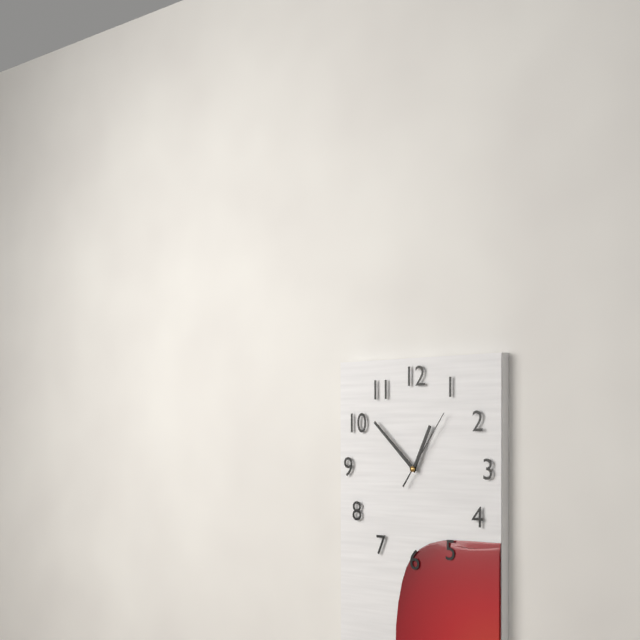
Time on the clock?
12:52:06
